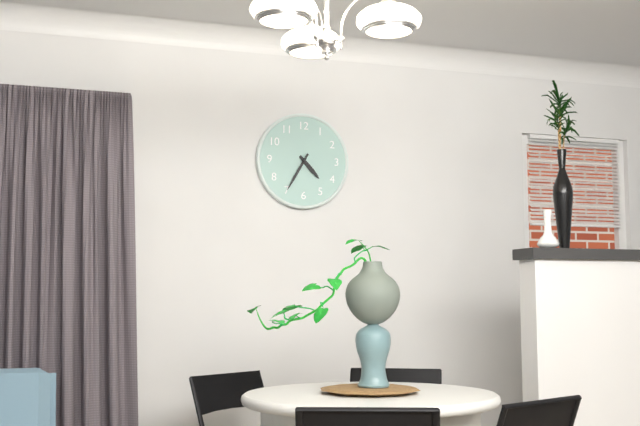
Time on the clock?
4:35
